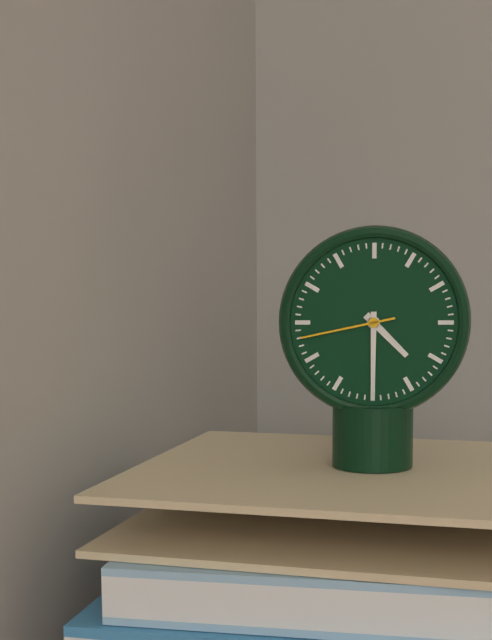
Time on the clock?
4:30:43
